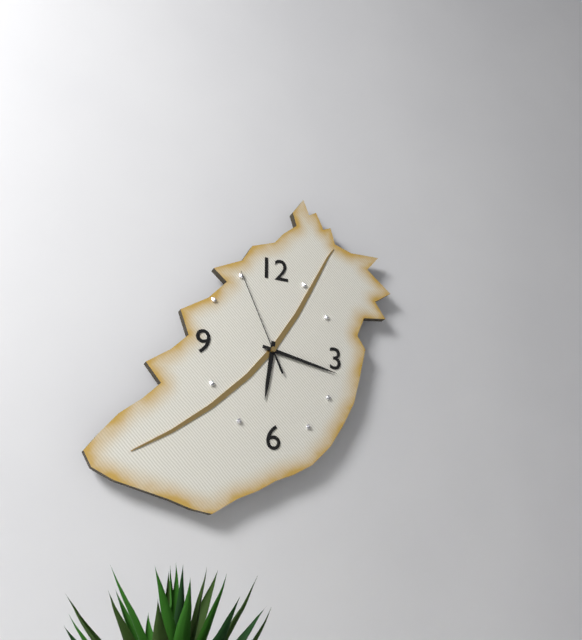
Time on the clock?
6:17:56
